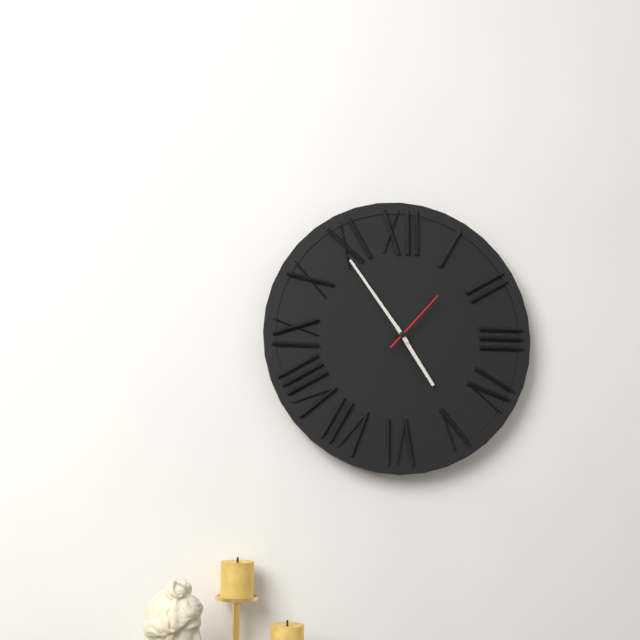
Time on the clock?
4:54:07
